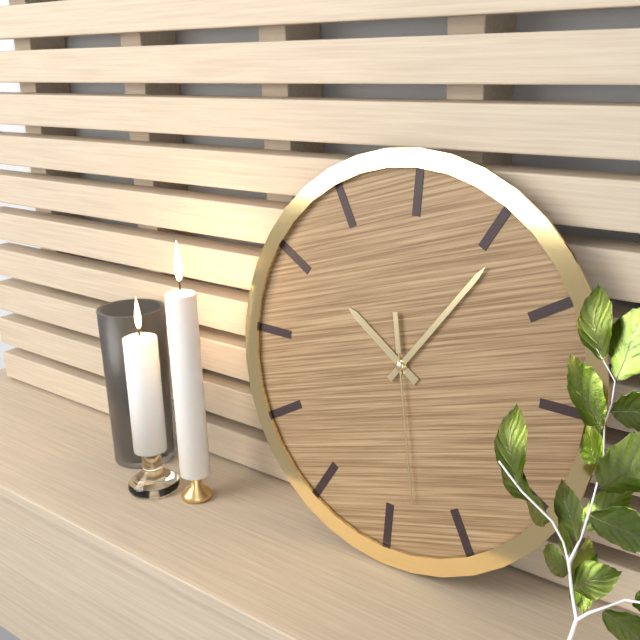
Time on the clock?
10:06:28
